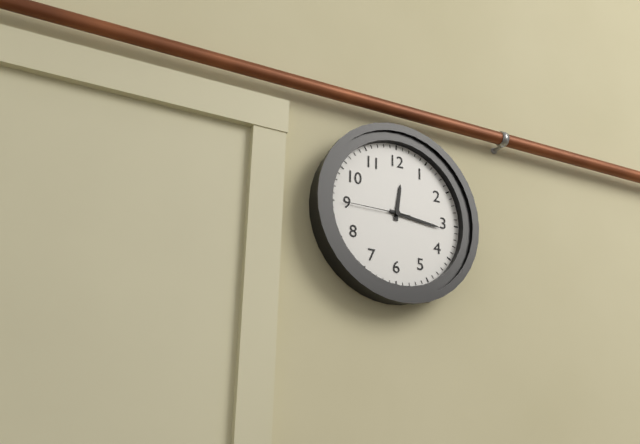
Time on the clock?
12:16:45
